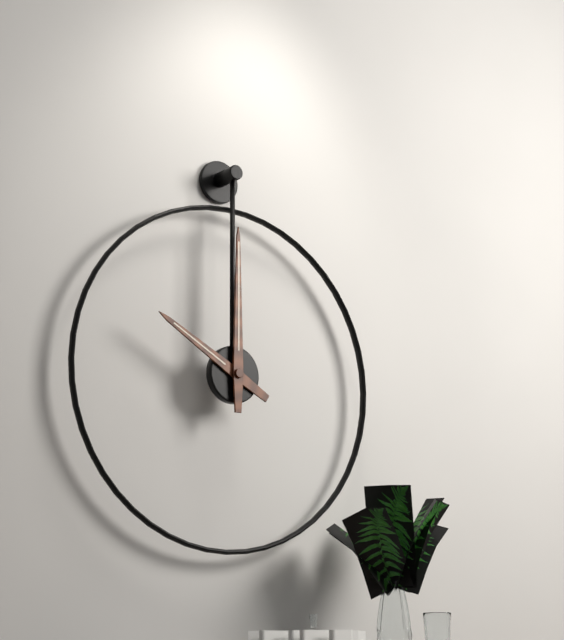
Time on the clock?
10:00
